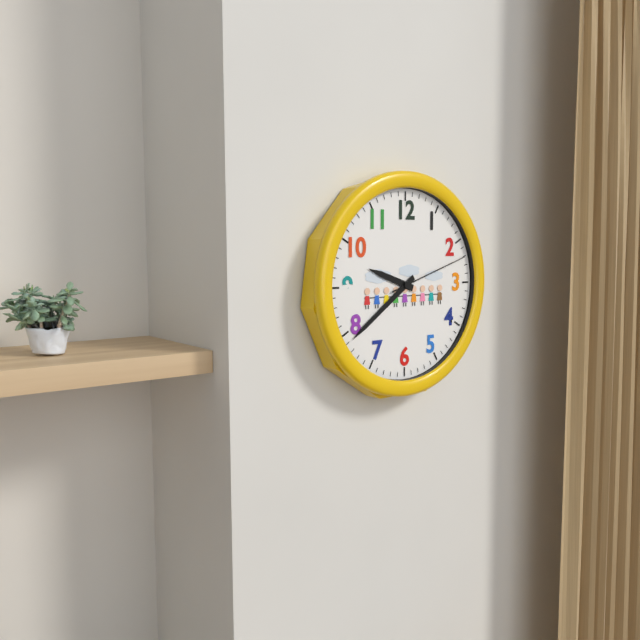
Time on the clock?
9:39:12
